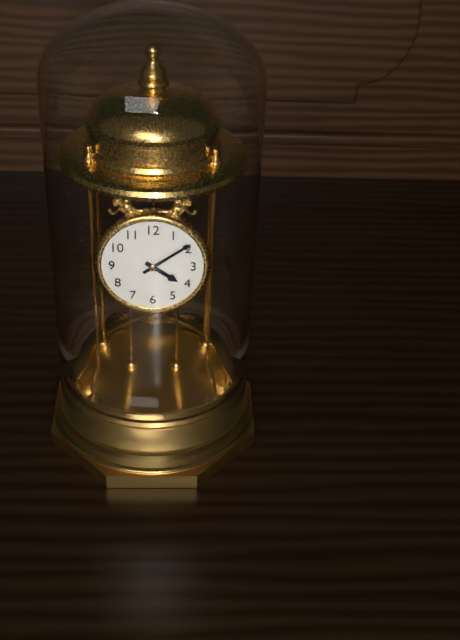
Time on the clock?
4:09
